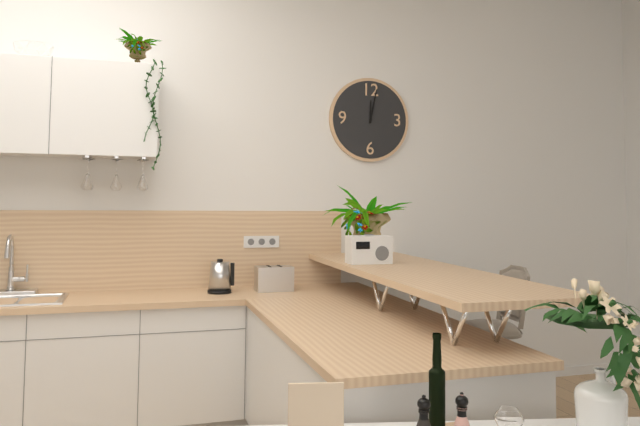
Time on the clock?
12:02
